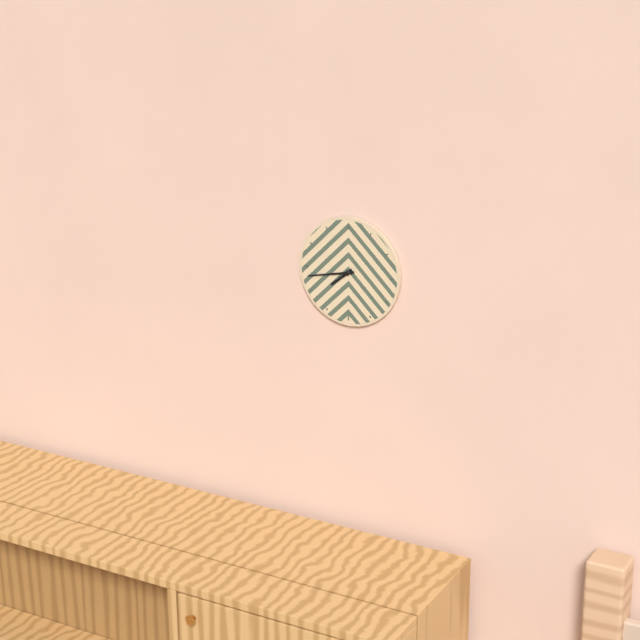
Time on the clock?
7:43
